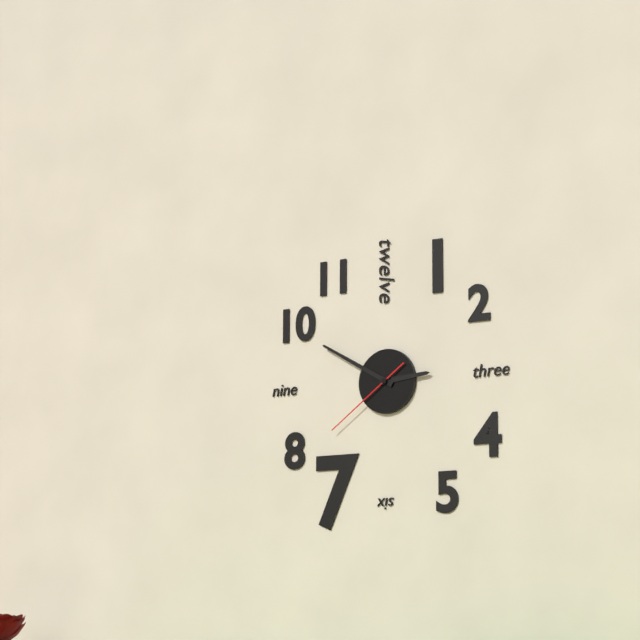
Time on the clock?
2:50:39
